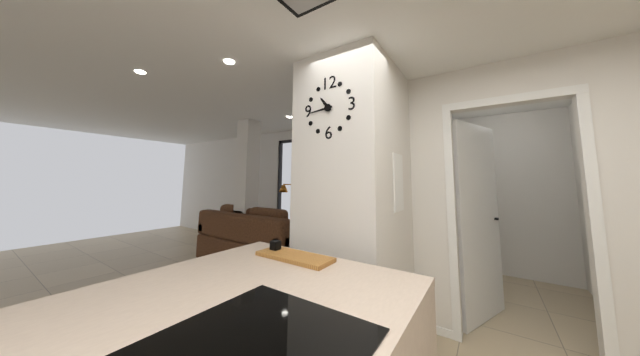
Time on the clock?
10:44
